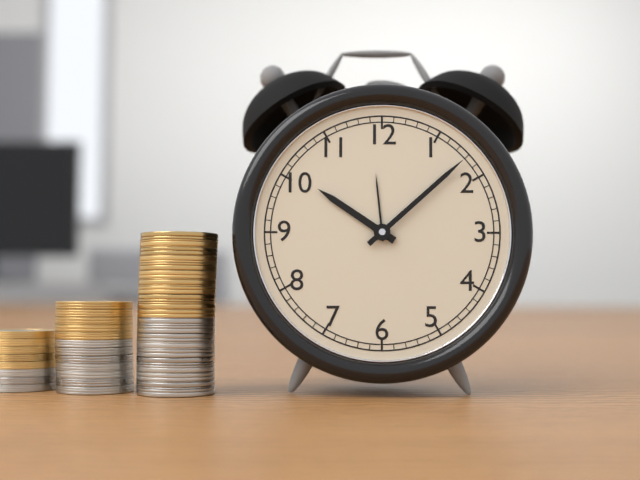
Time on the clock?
10:08
